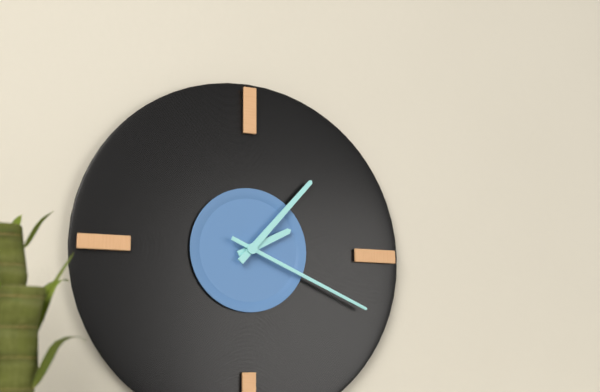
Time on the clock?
2:07:19
